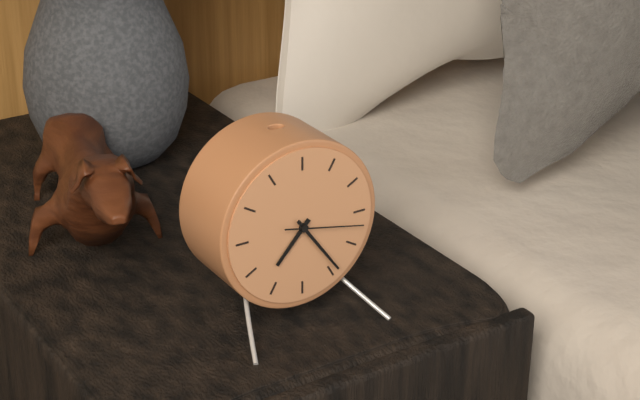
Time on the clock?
7:24:17
